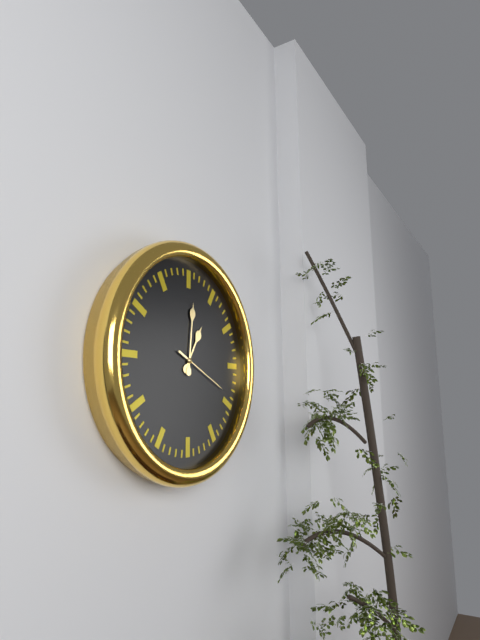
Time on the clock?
1:01:19
